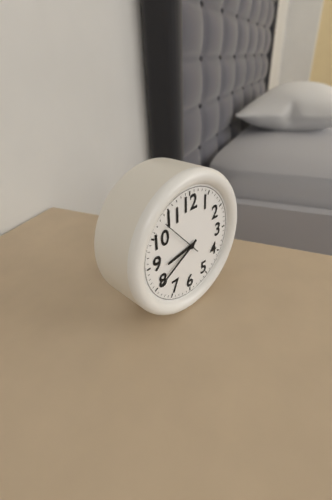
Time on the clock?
8:40
